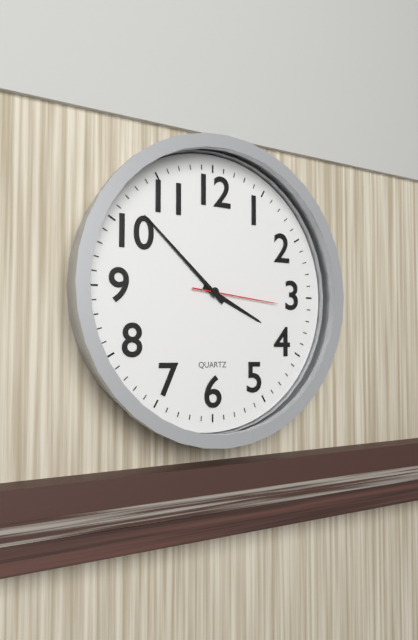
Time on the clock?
3:52:16
